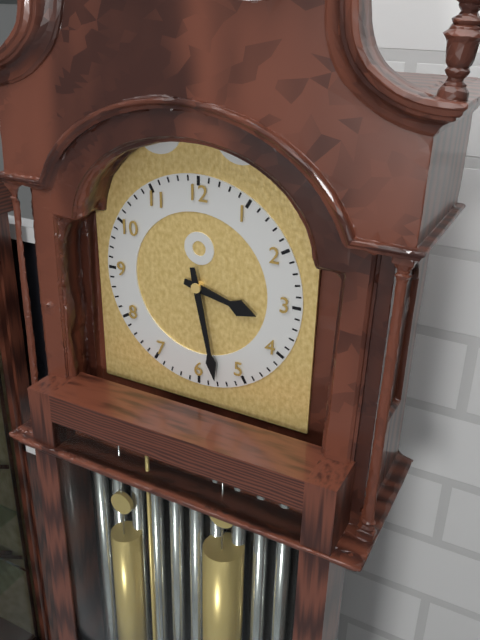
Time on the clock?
3:28
